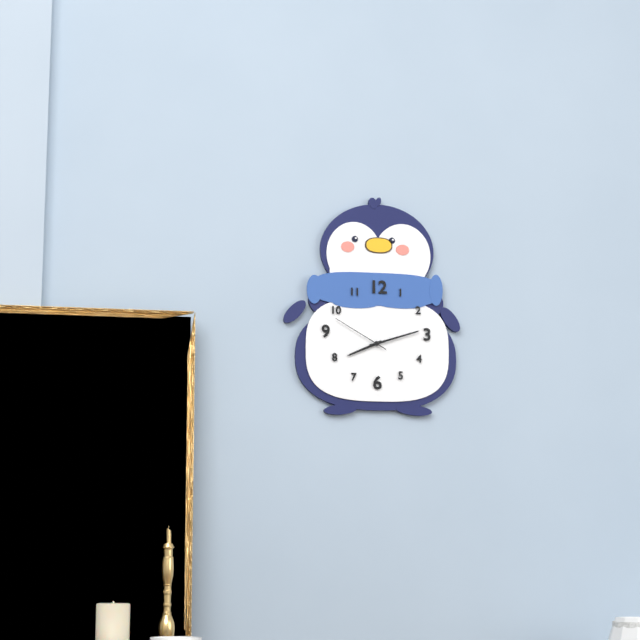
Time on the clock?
8:12:50
